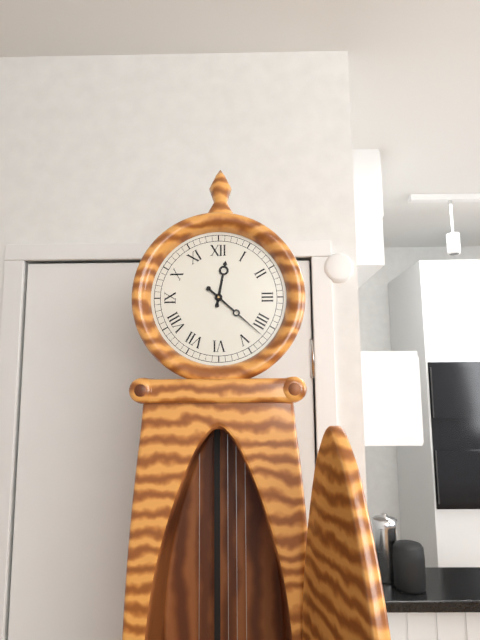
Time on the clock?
12:22
